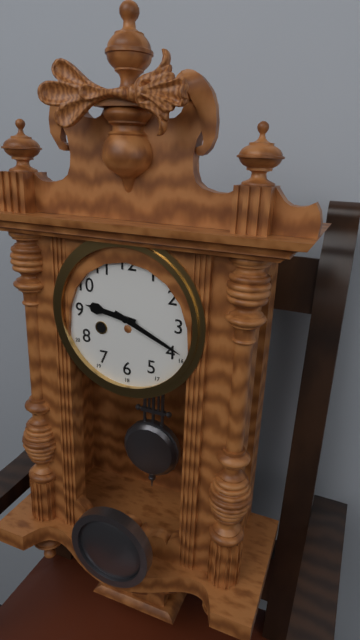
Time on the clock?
9:19
